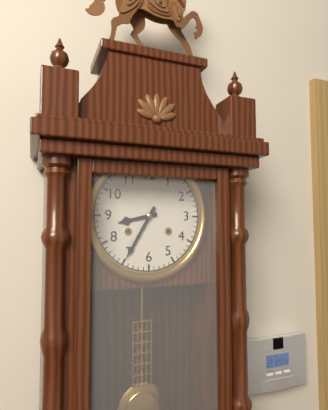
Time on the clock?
8:35
